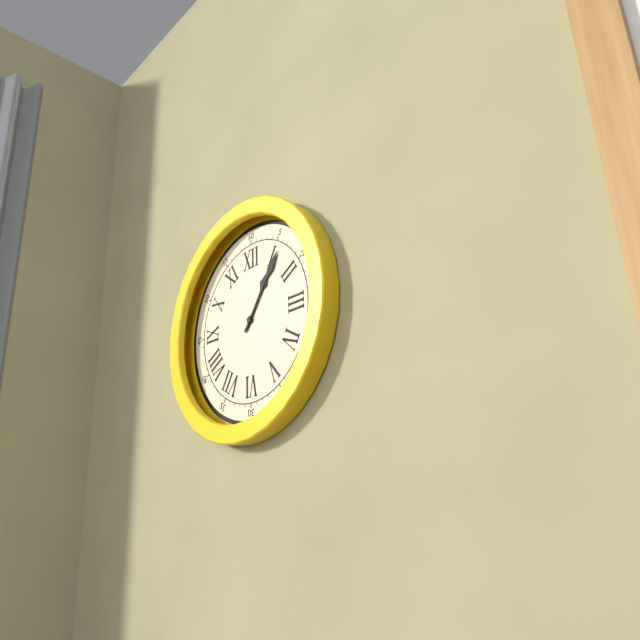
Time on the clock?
1:06
